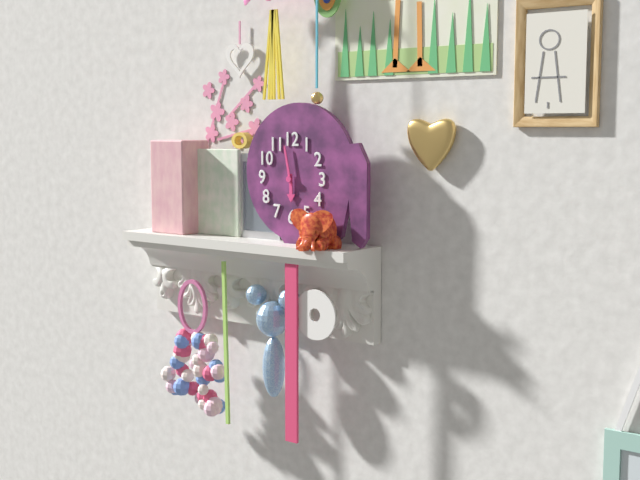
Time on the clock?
5:58
